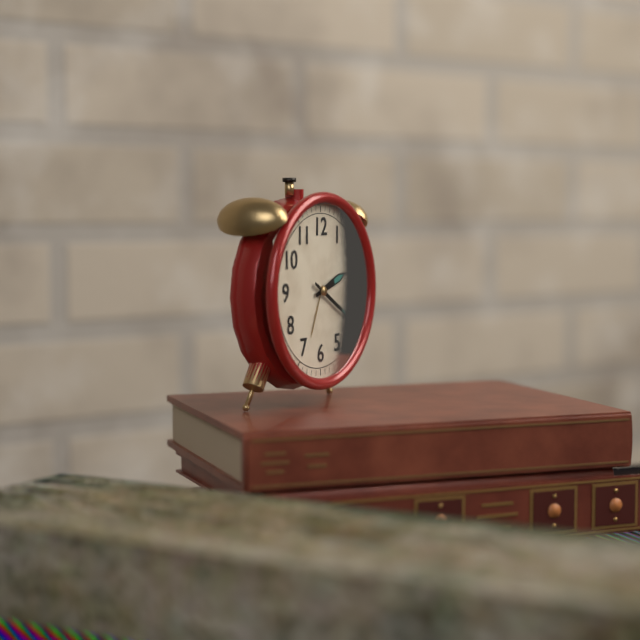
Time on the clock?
2:20
